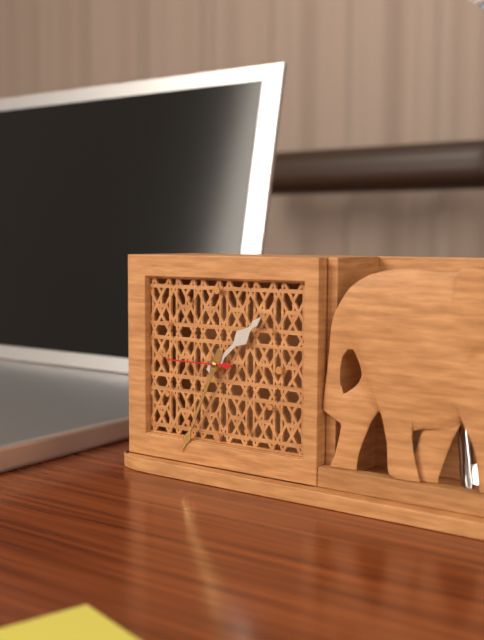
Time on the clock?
1:34:45
